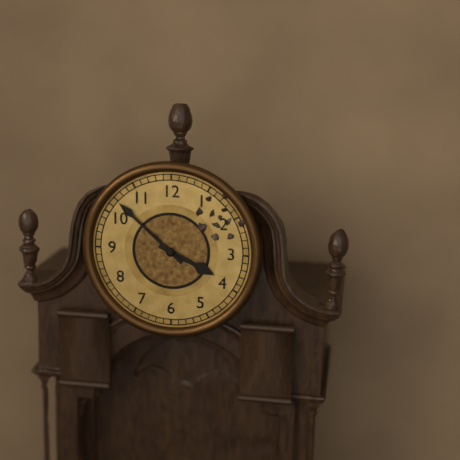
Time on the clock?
3:52
